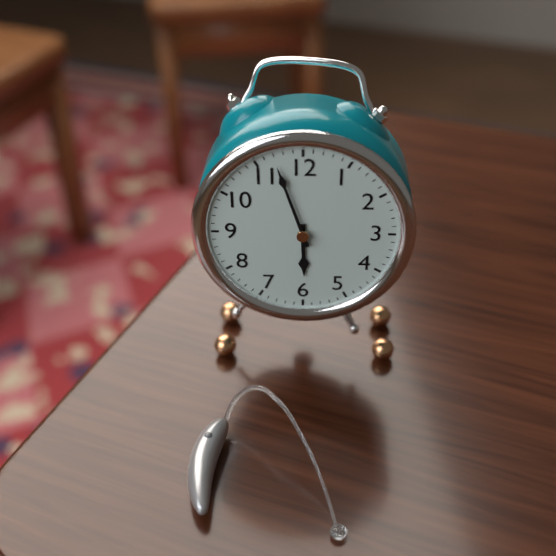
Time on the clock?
5:57
